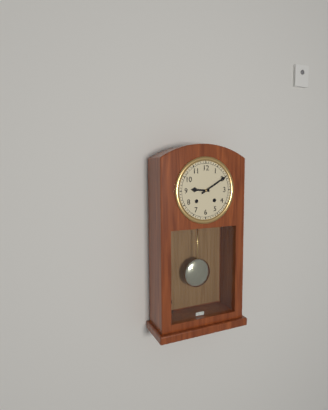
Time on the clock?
9:10
